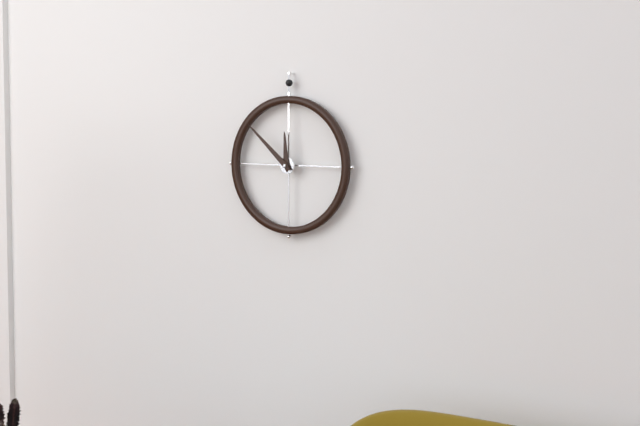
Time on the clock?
11:52
